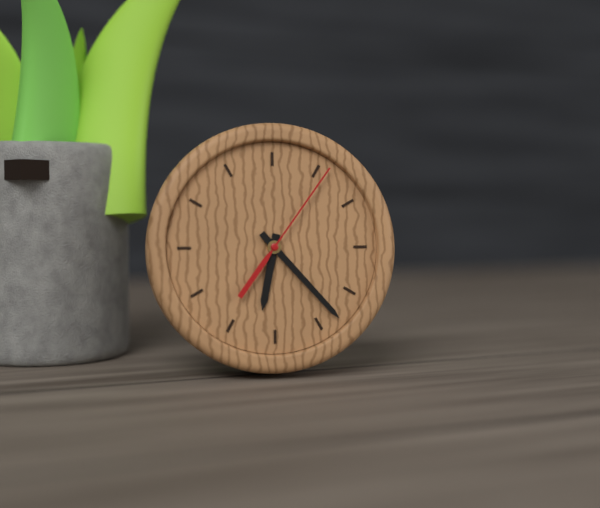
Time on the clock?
6:23:06
